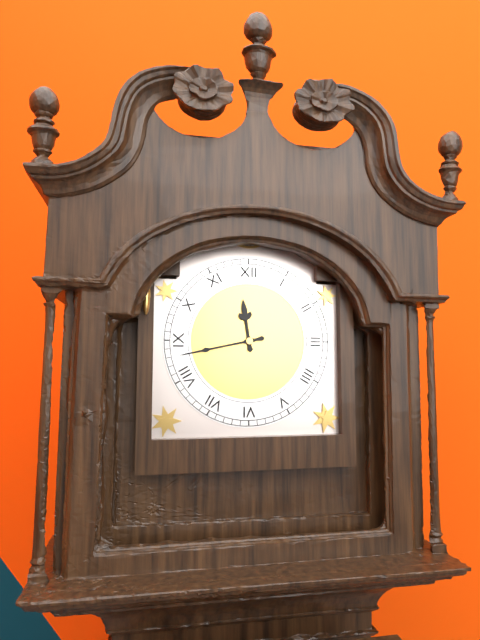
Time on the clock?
11:43
